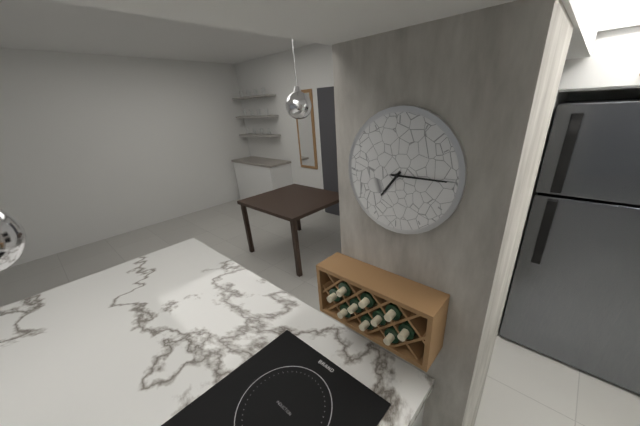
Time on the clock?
7:15
